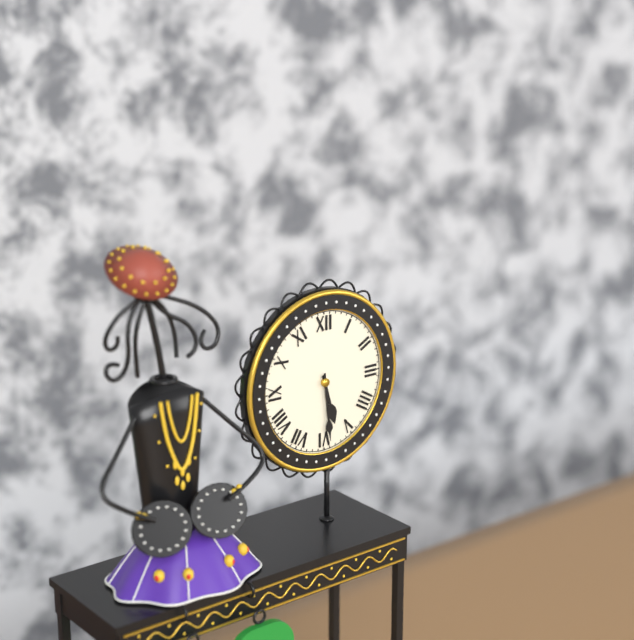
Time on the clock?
5:29
